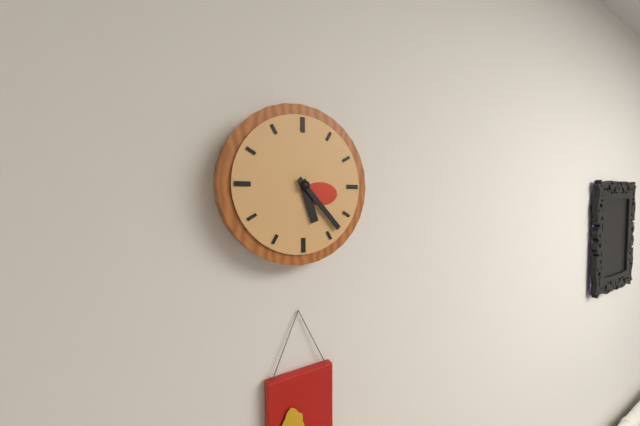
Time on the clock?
5:23
